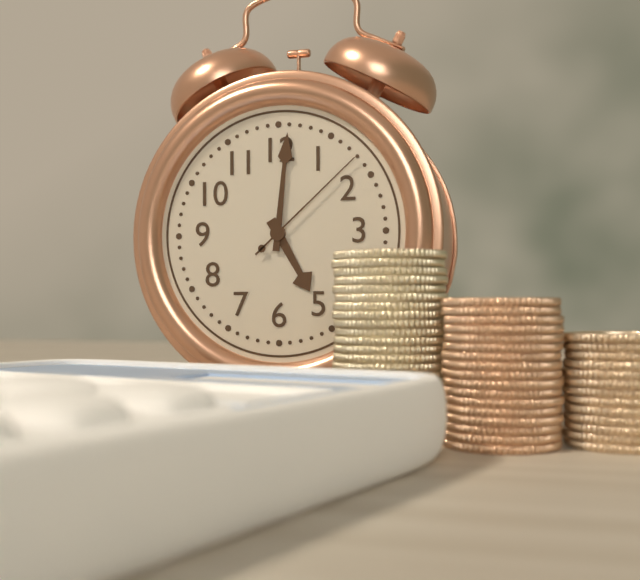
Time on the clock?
5:01:08
